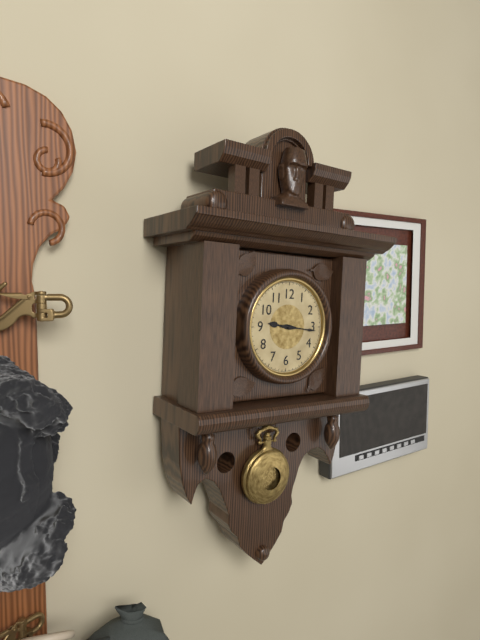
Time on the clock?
9:16
